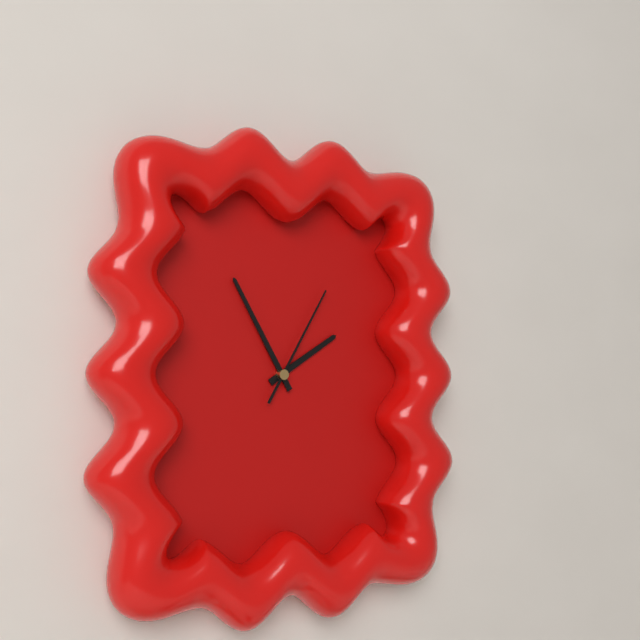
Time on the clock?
1:55:05
